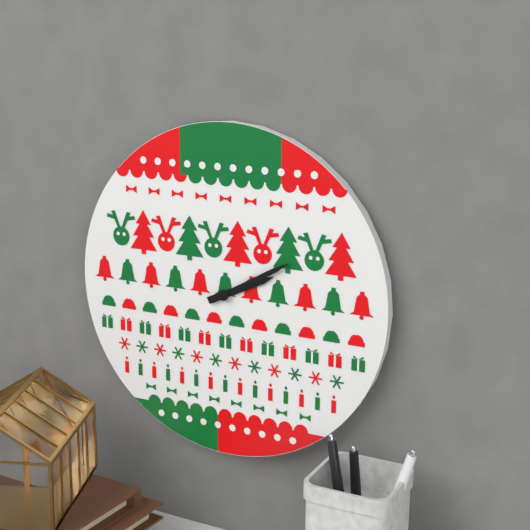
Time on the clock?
2:10
